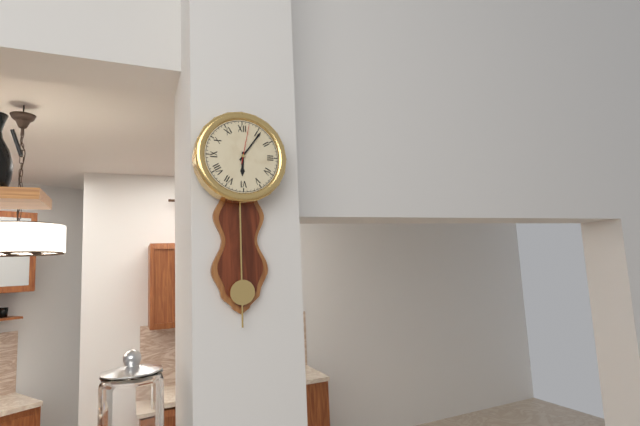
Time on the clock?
6:06
